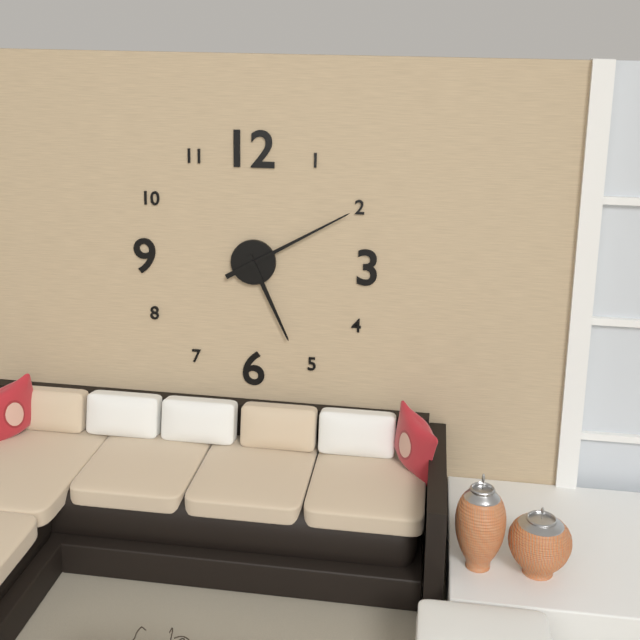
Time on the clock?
5:10
